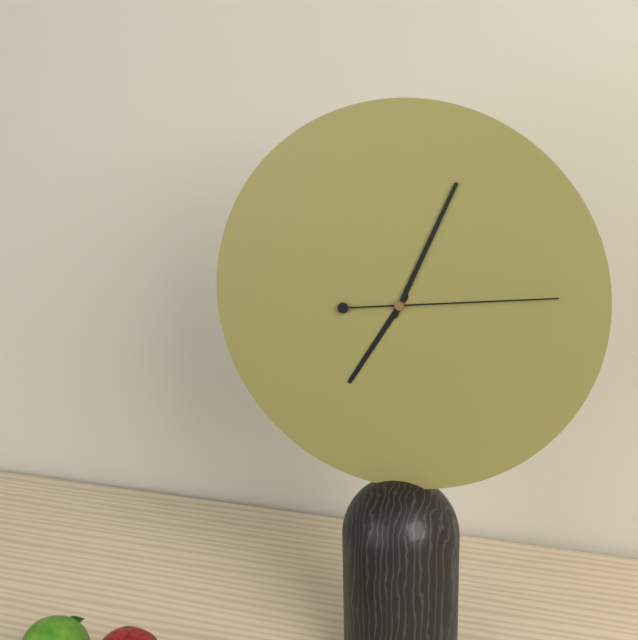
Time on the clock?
7:04:14
